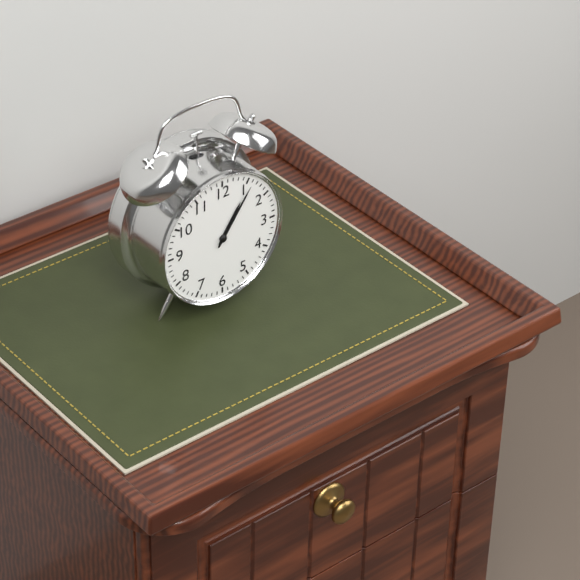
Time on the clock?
1:06
